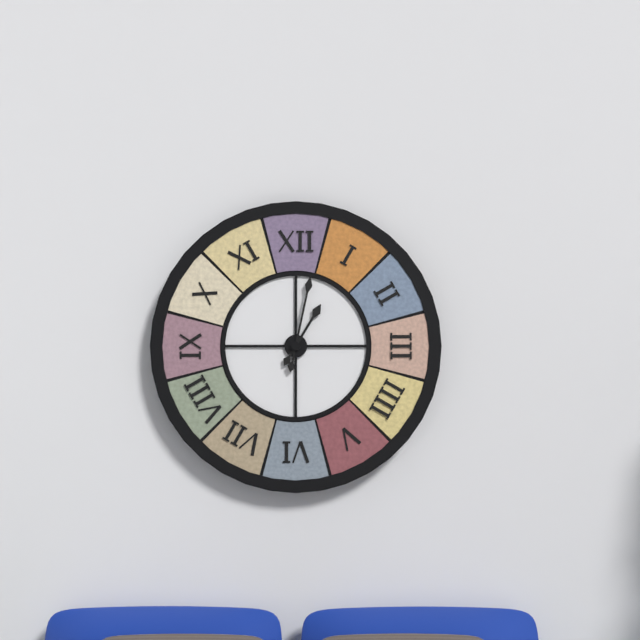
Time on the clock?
1:02
